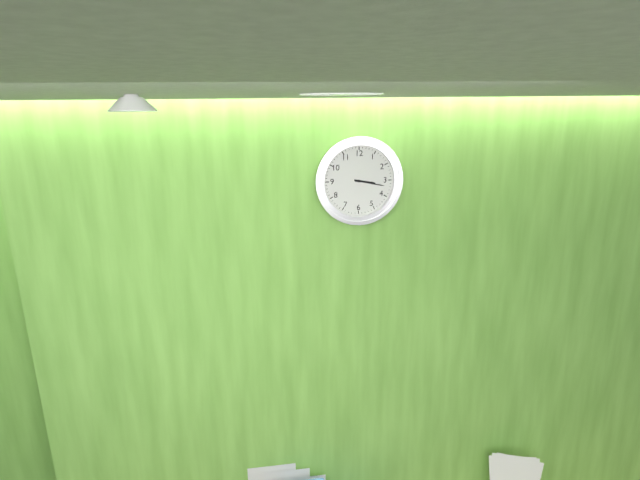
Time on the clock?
3:17
